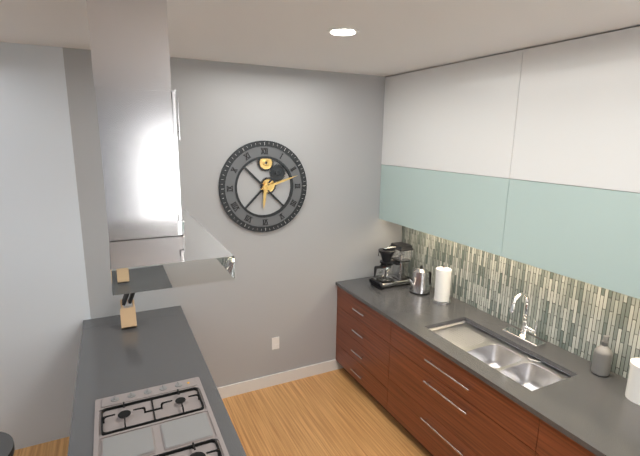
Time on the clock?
6:12
